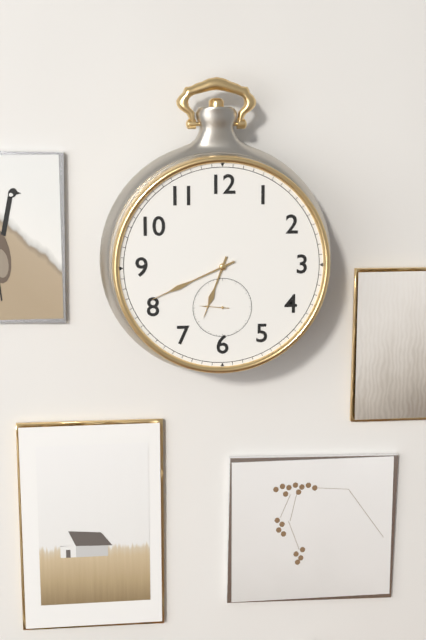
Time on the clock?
6:41
